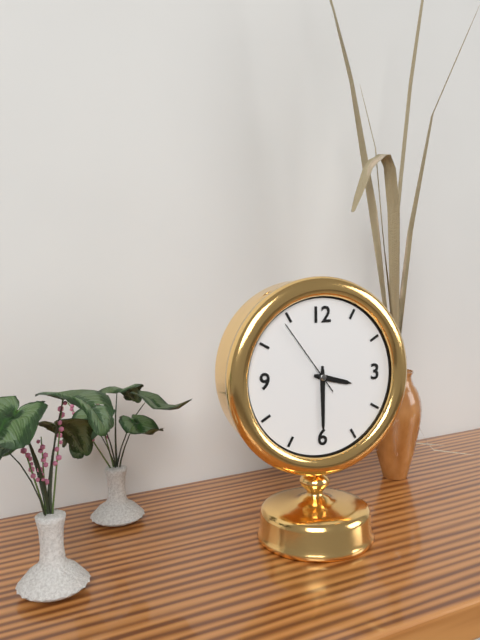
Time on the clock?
3:30:54
